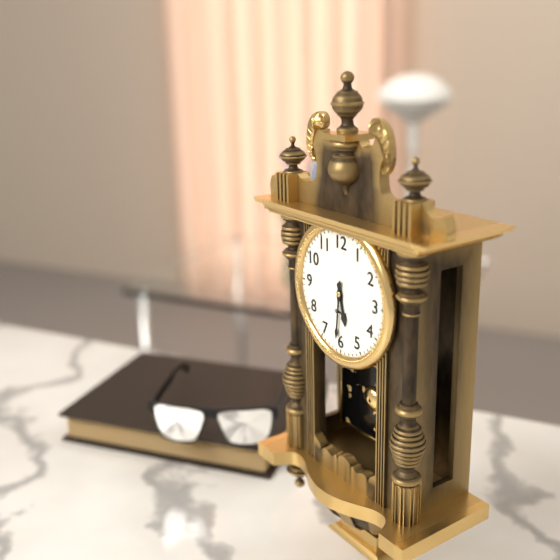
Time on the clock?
5:31
